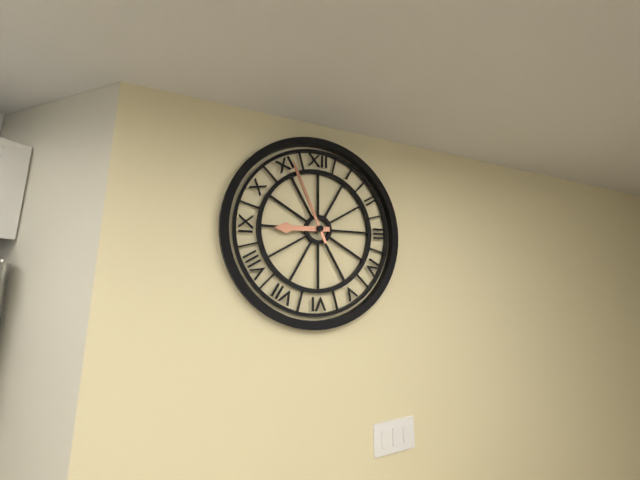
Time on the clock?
8:56
